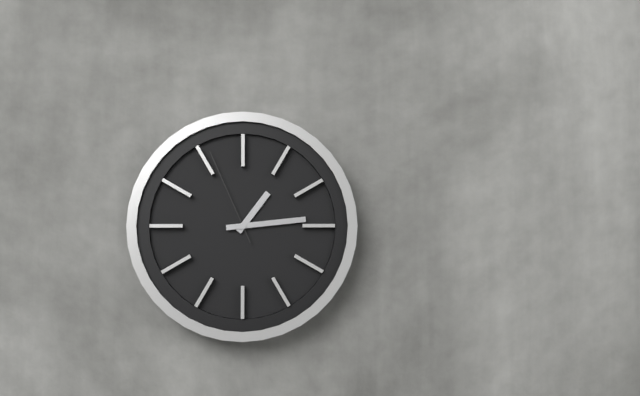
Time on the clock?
1:14:56
